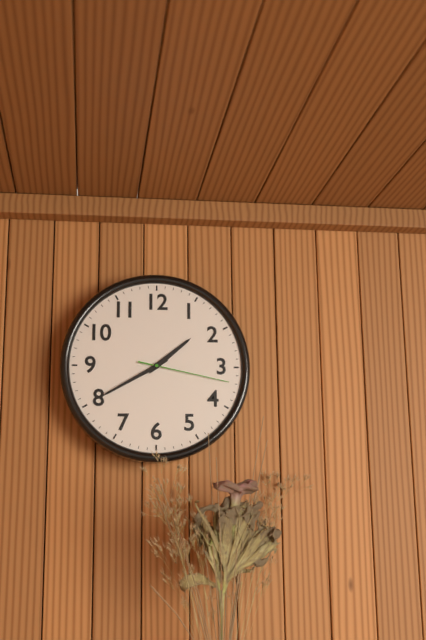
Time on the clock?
1:40:17
